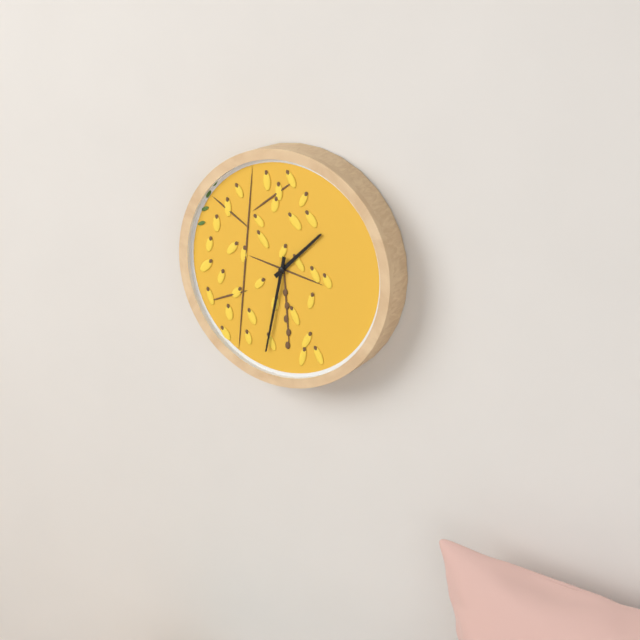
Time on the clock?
1:32
